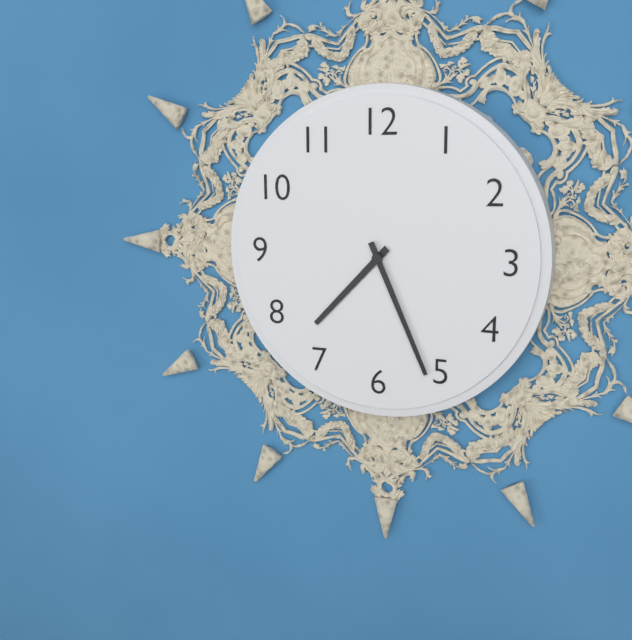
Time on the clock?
7:26
